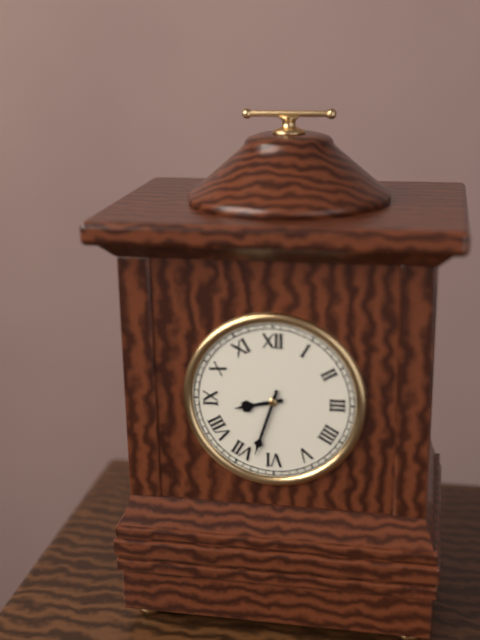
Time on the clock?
8:33
